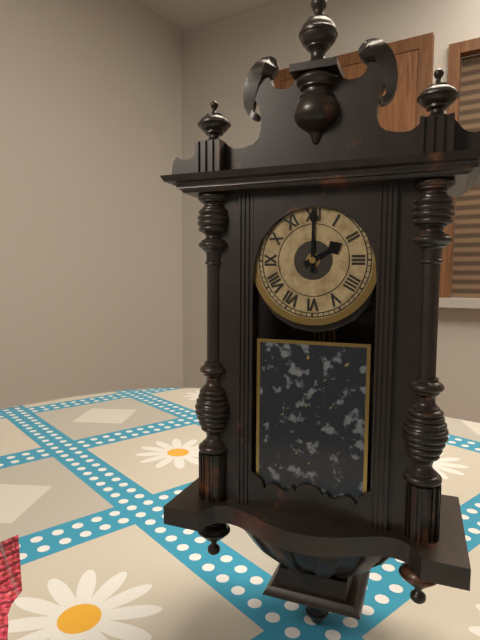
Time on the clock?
2:00
